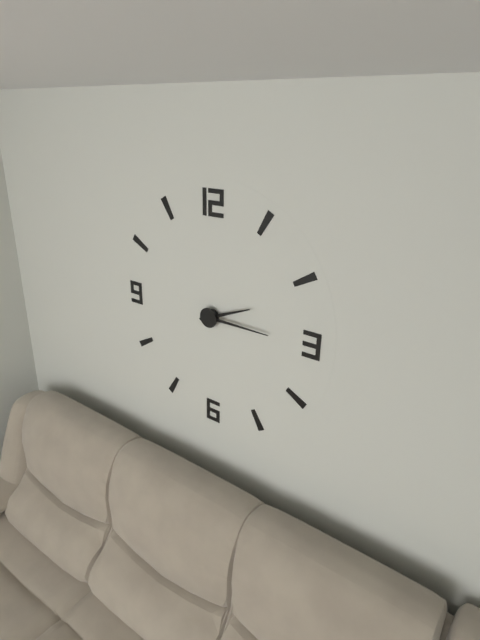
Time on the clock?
2:15
